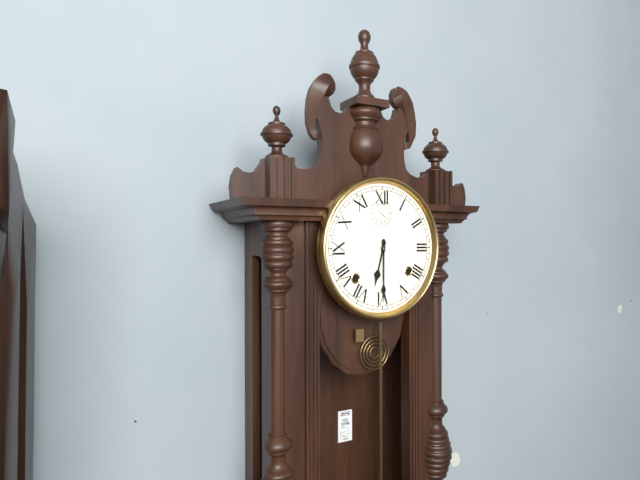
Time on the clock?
6:30
